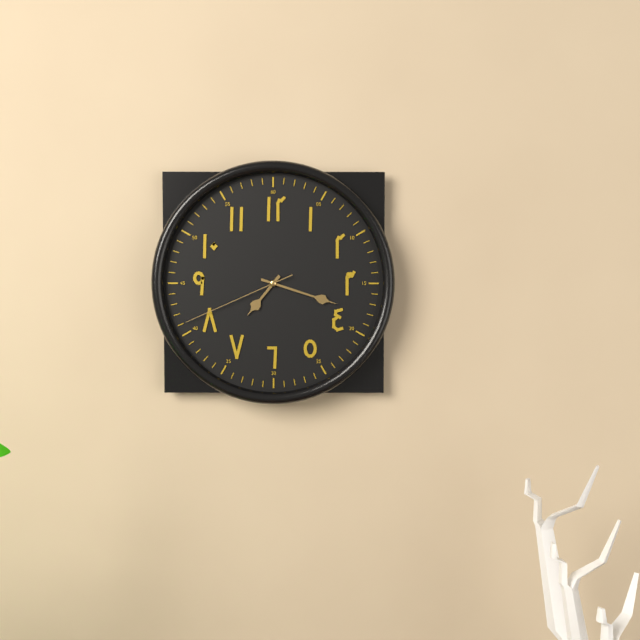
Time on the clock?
7:18:41
